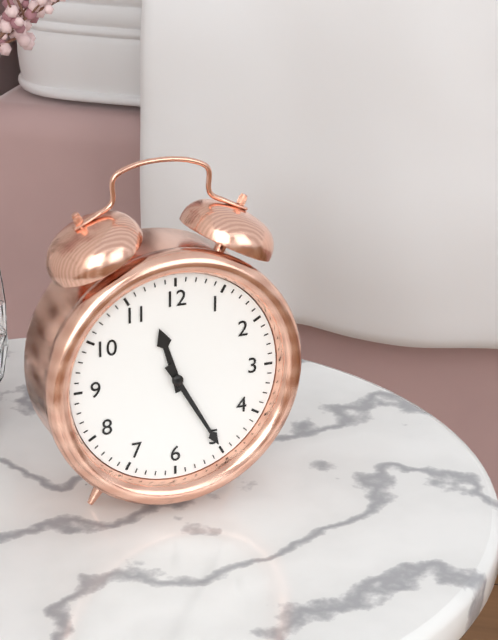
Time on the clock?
11:25
